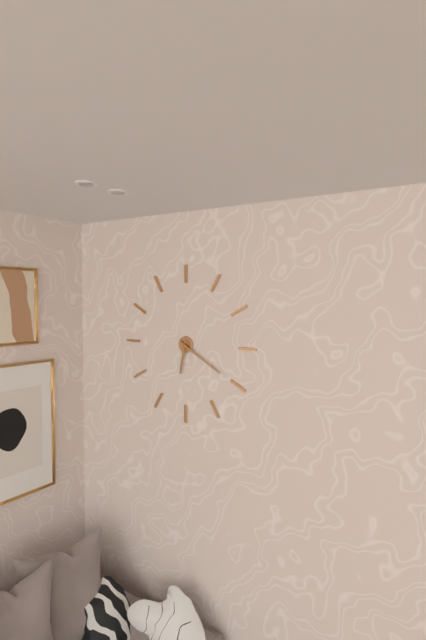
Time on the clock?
6:20
